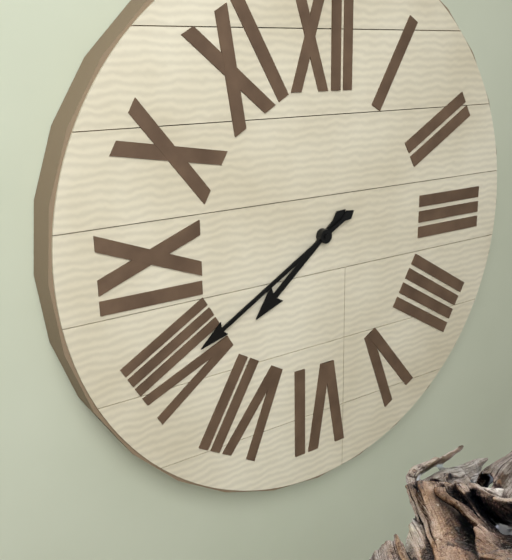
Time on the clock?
7:40
